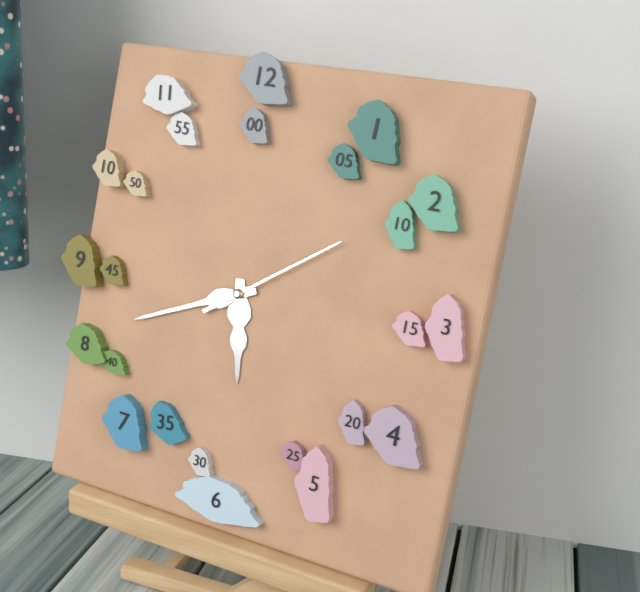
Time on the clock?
5:41:09
